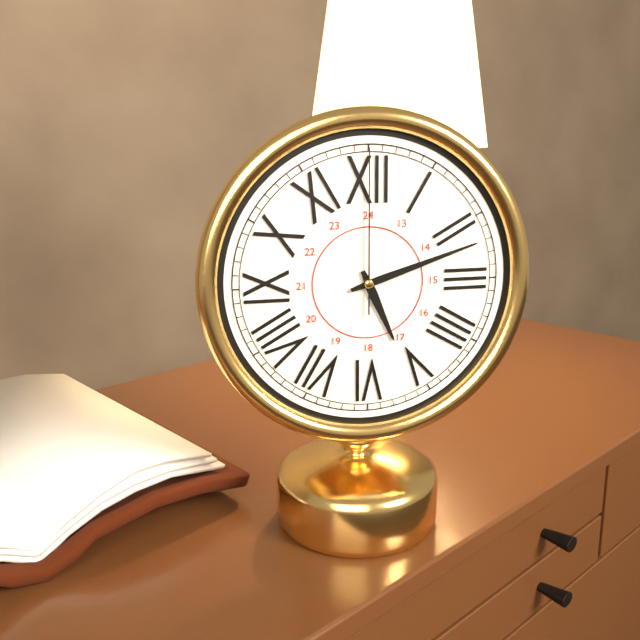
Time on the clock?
5:12:00
